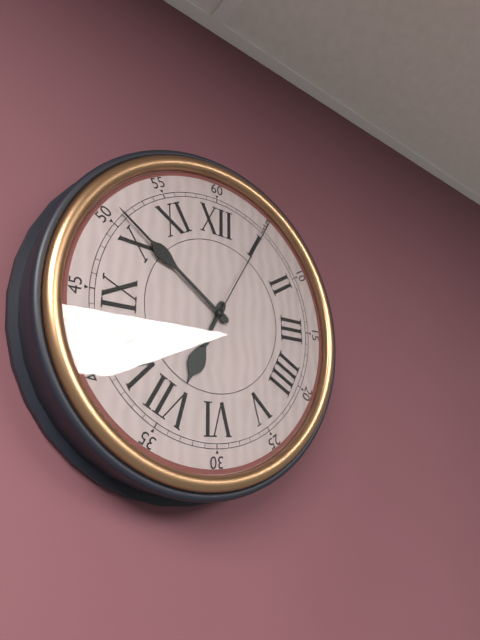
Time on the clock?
6:51:05
